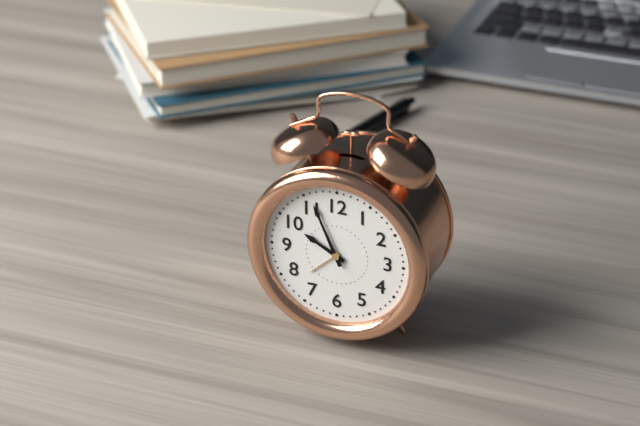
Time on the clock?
9:56
